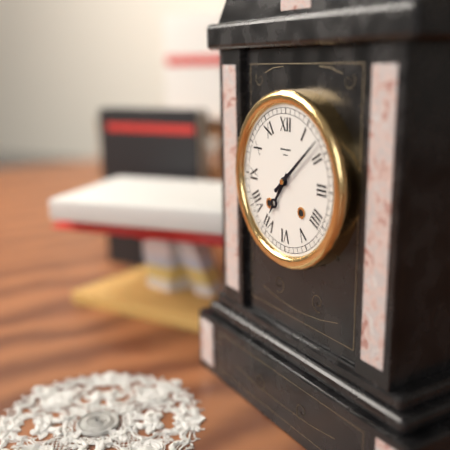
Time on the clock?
7:08
